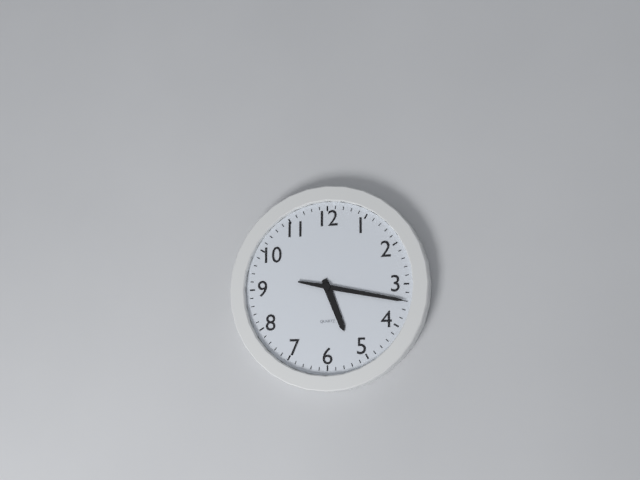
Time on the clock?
5:17
